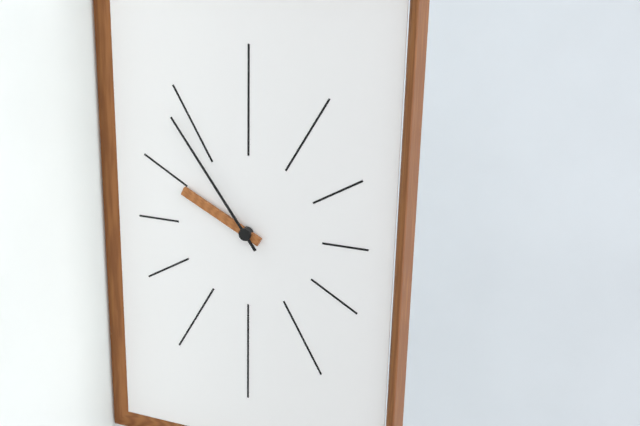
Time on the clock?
9:54
